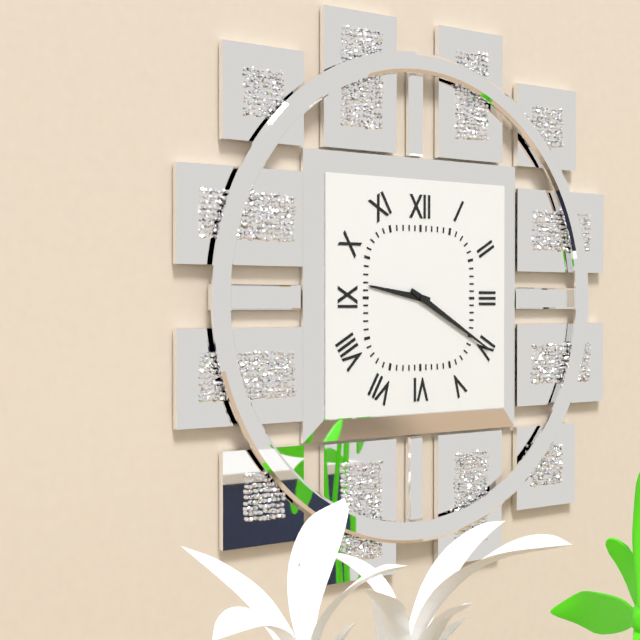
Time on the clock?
9:20
